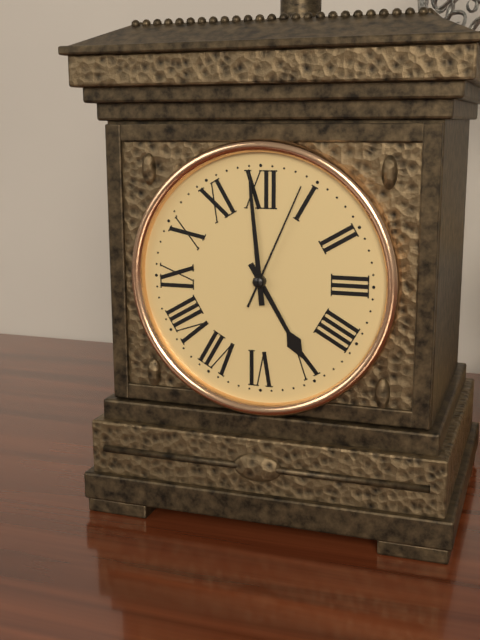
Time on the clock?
4:59:04
